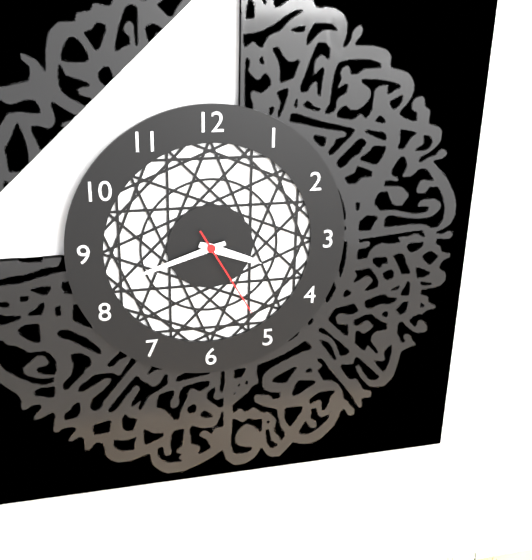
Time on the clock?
3:42:25
